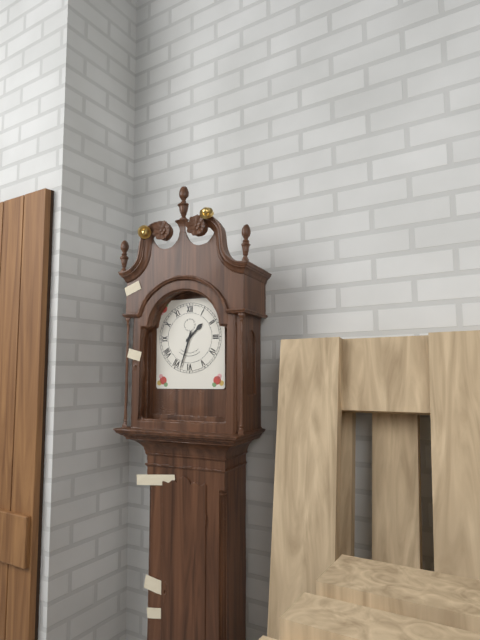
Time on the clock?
1:33
